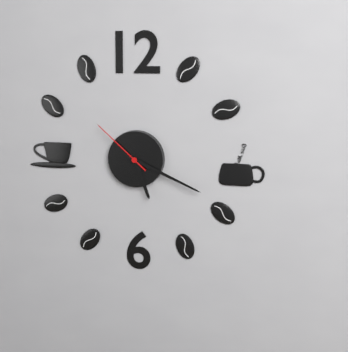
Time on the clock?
5:19:52
